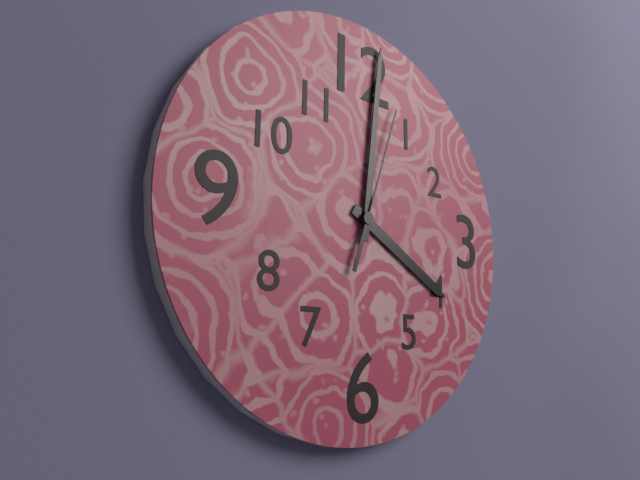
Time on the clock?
4:01:03
